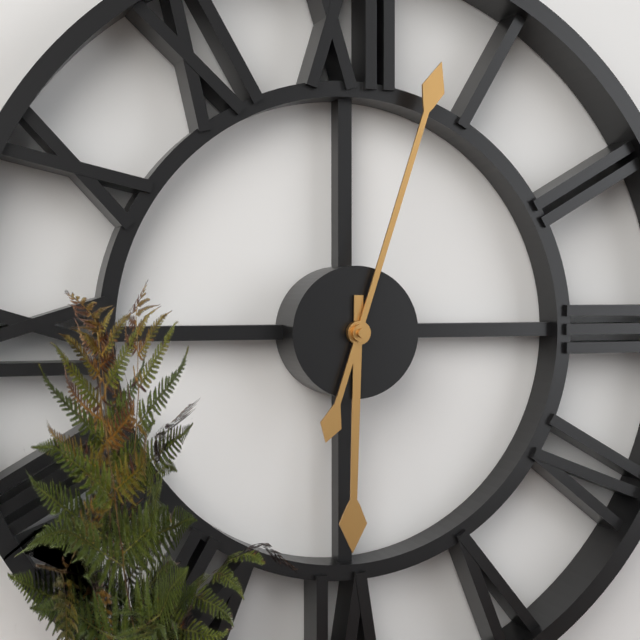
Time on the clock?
6:03
